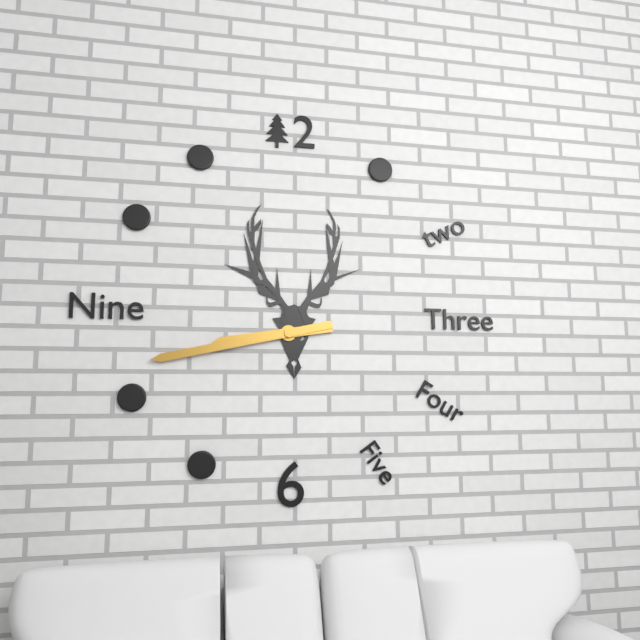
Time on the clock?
8:43
